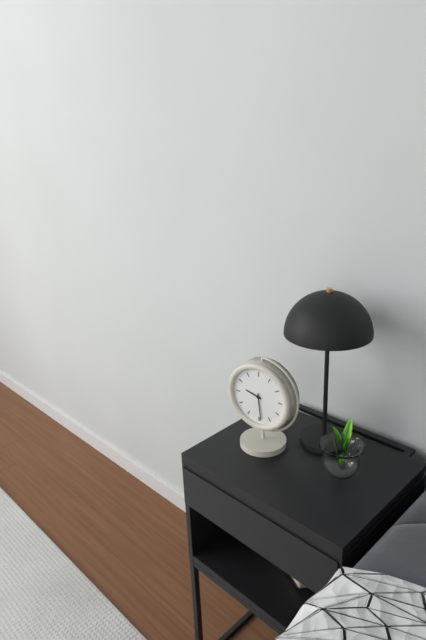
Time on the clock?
9:29
